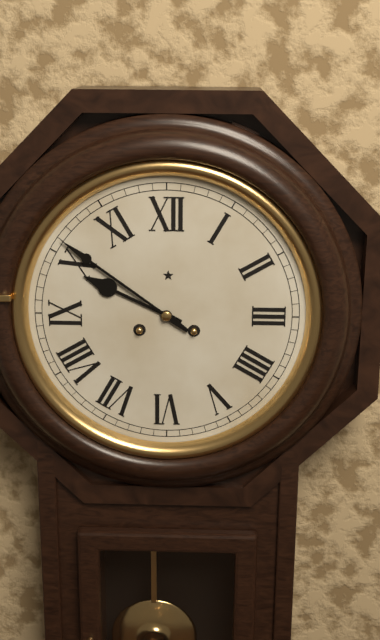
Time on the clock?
9:51
